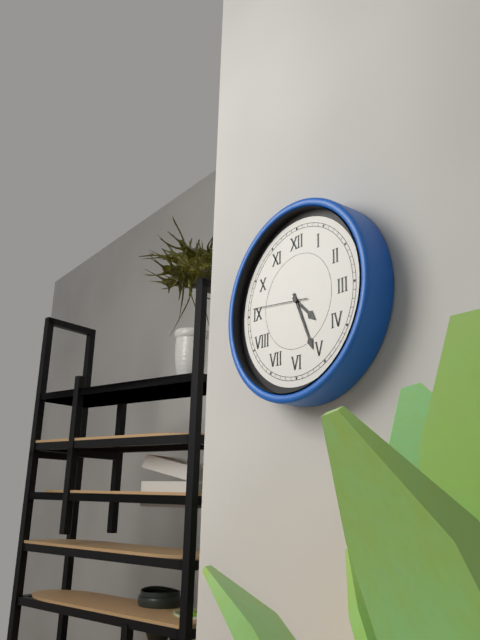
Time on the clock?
4:26:46
